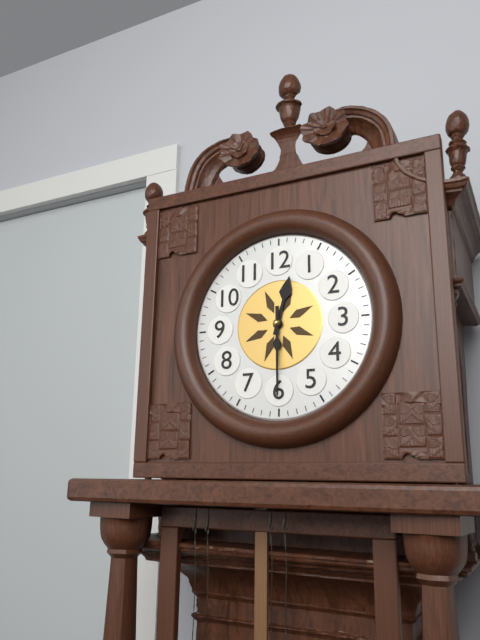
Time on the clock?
12:30
